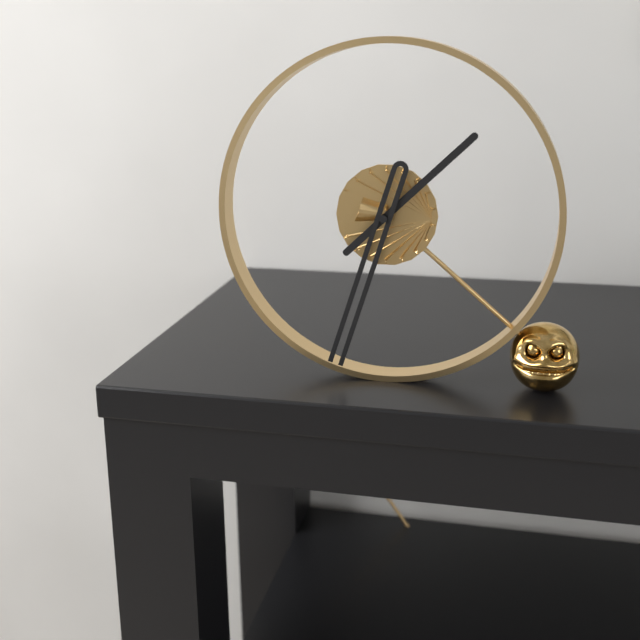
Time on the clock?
1:33
